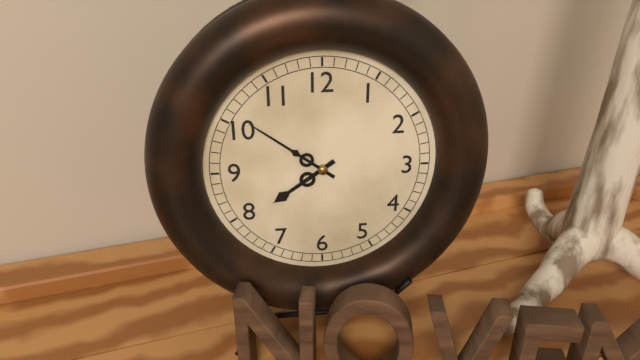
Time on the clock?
7:51
